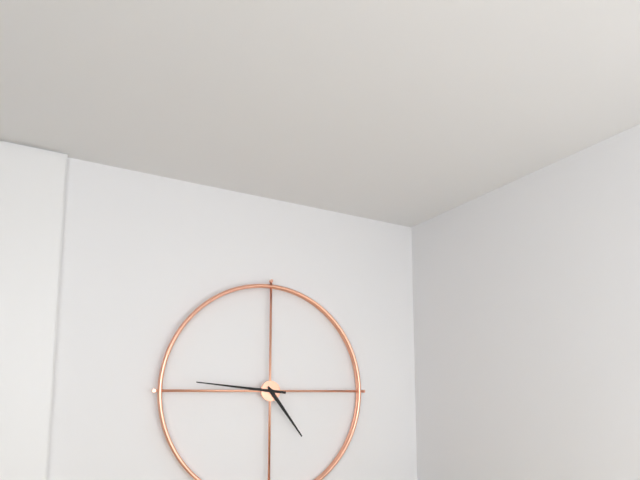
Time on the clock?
4:46
